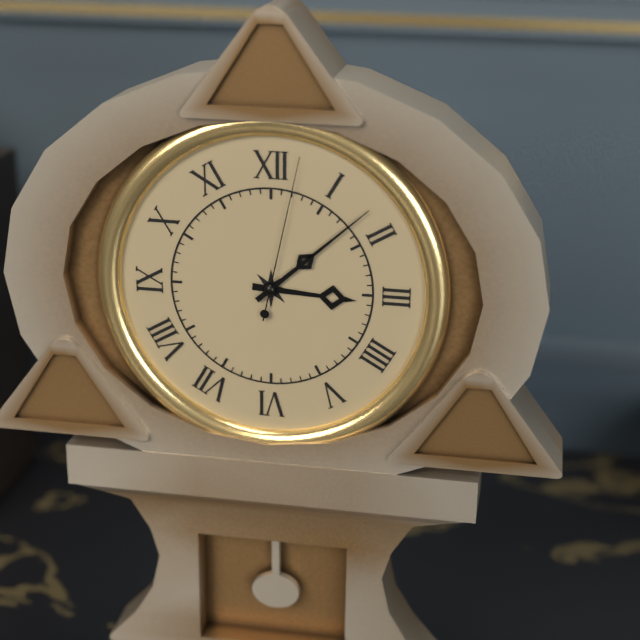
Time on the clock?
3:08:02
